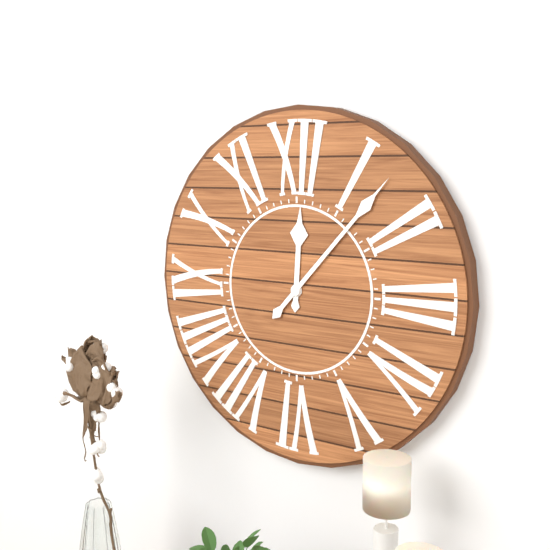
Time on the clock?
12:07
